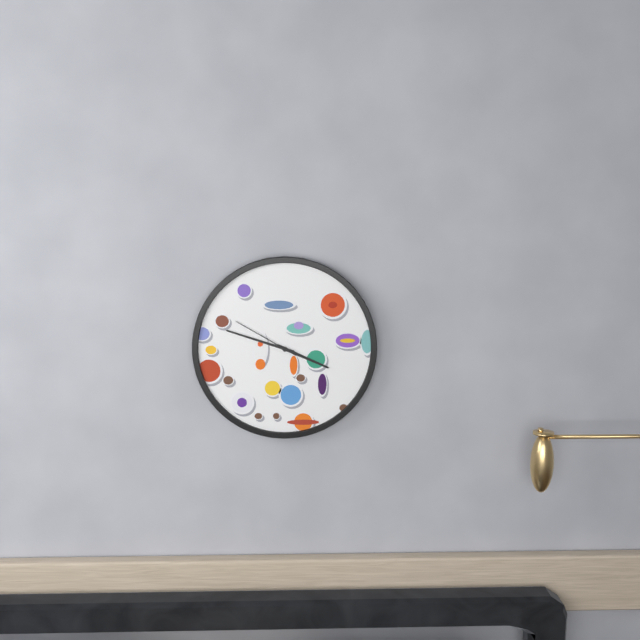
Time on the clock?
3:48:50
